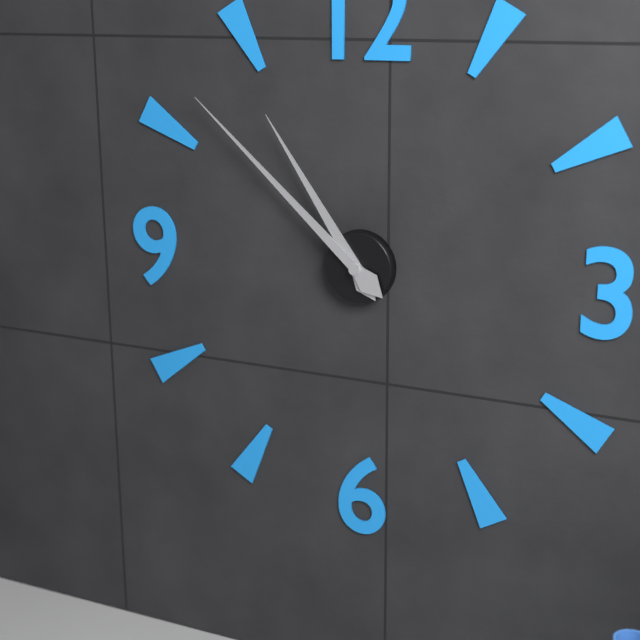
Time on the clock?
10:52
